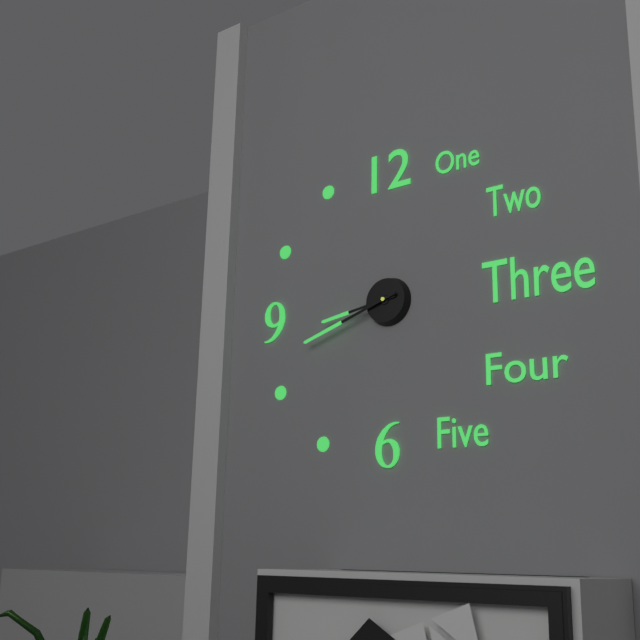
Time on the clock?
8:42
